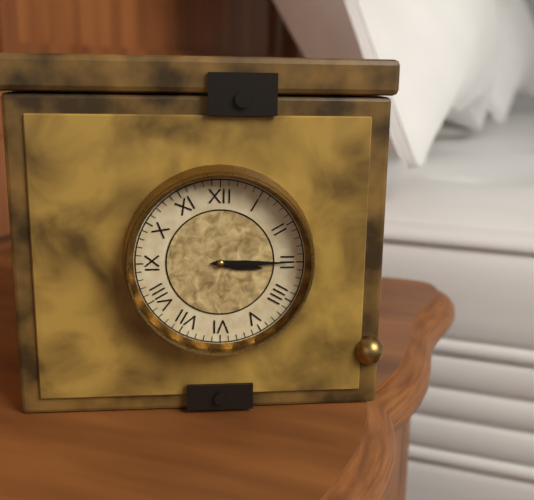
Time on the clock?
3:15
